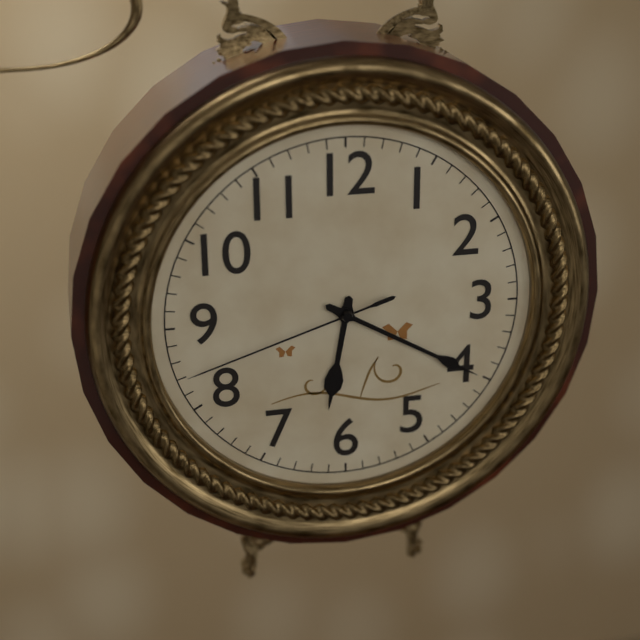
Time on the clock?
6:20:42
